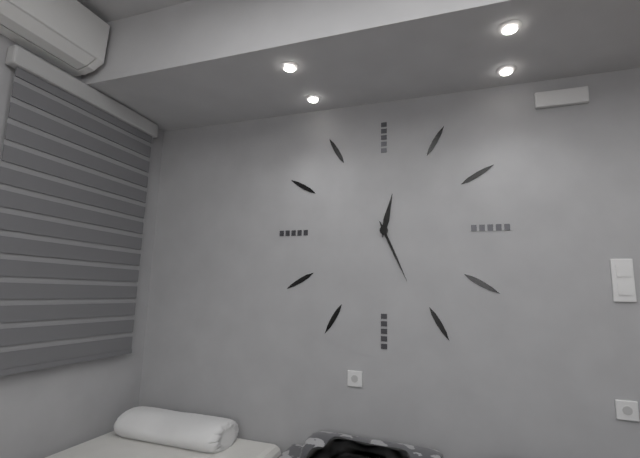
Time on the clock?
12:26
